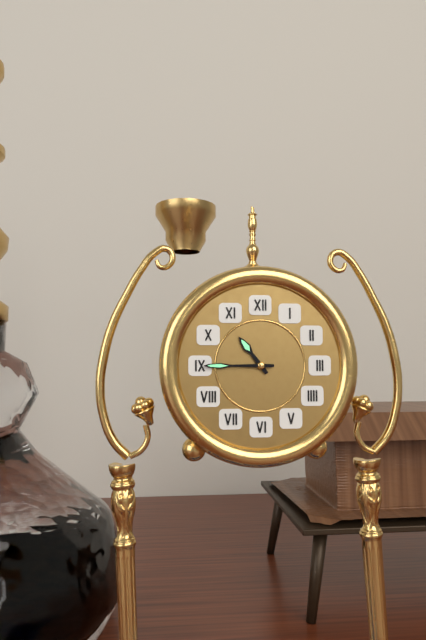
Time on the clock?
10:45
